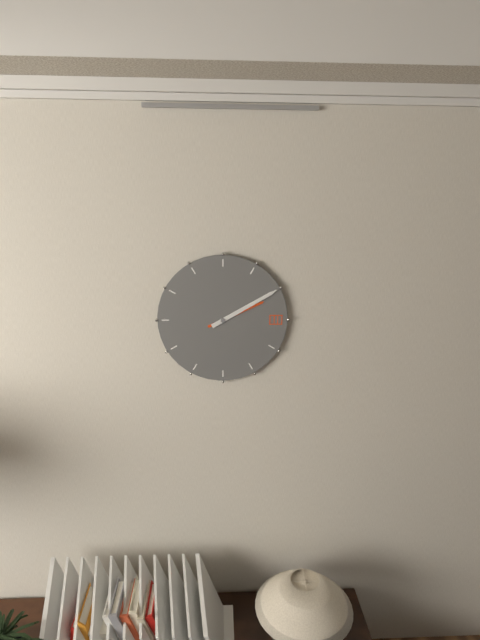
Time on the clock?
2:10
